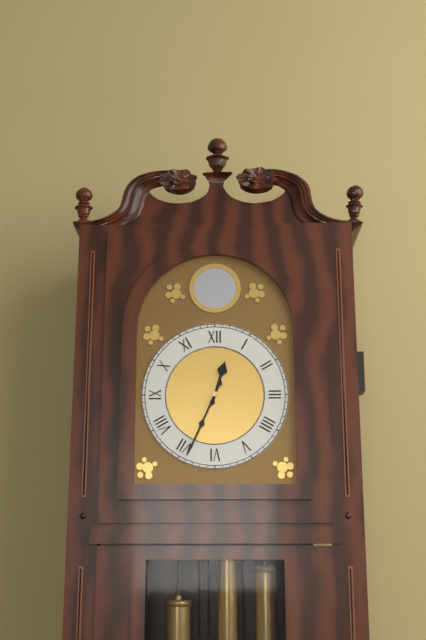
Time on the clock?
12:34
